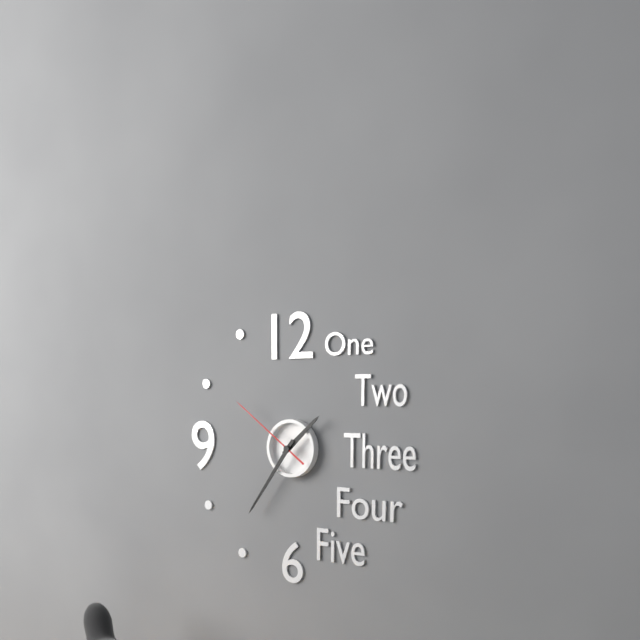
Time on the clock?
1:36:51
